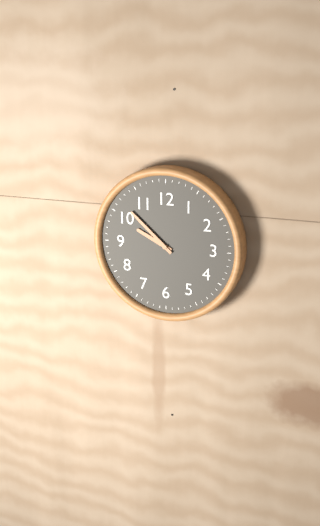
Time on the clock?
9:52
